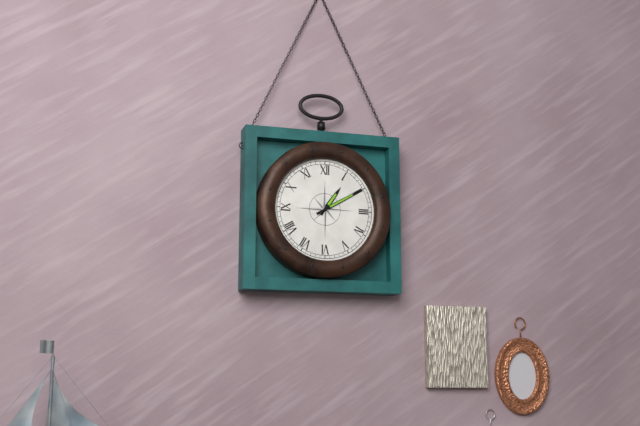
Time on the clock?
1:10
